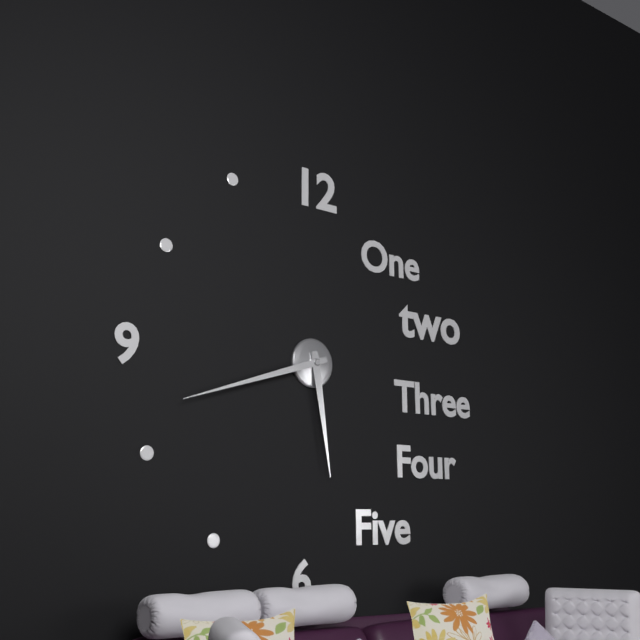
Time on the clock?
5:42
